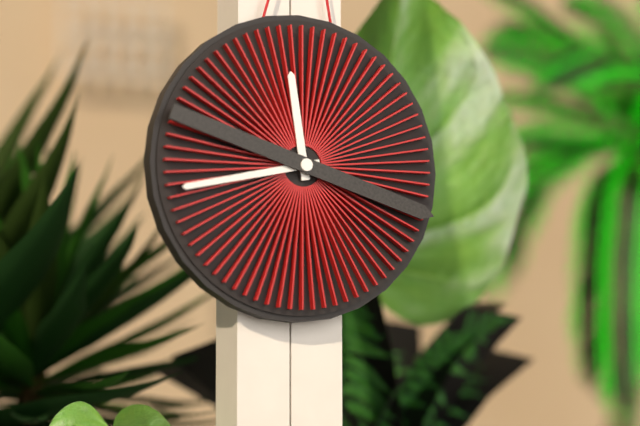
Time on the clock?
11:43:18
